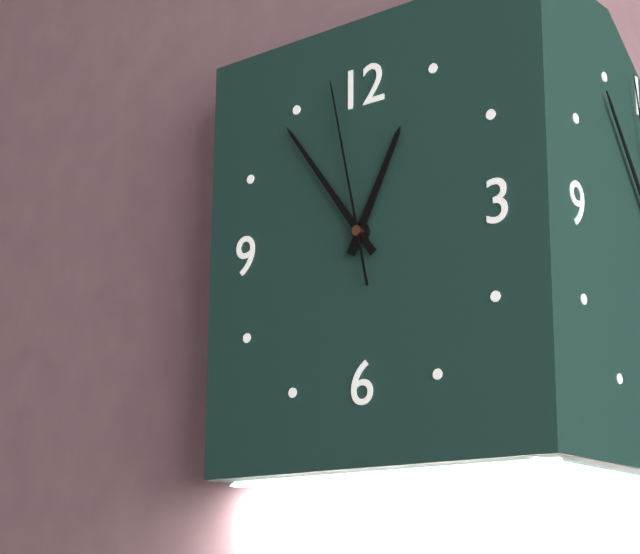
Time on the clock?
12:54:58
